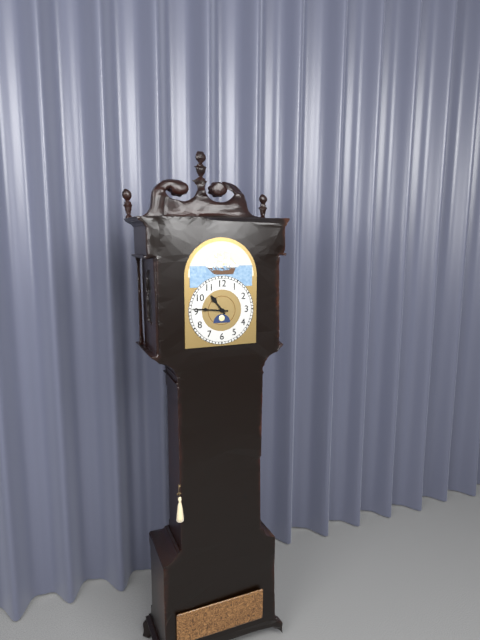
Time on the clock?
10:46
